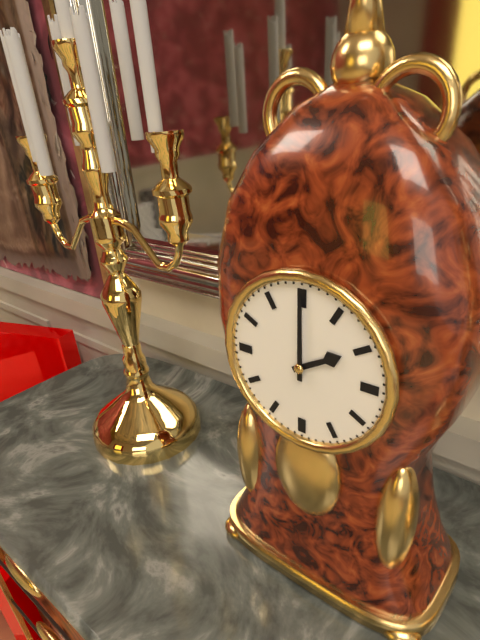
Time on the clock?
2:00
